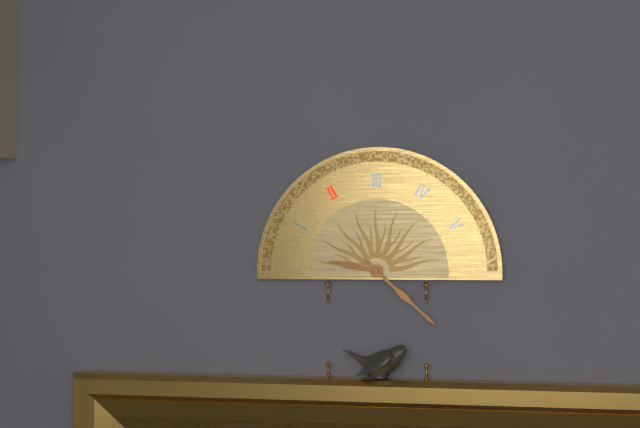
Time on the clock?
9:22
